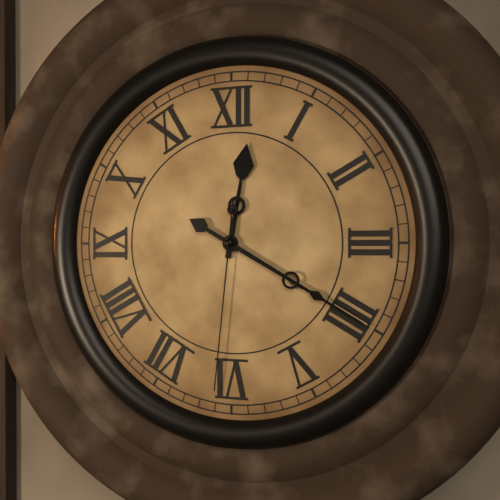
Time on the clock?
12:20:31
